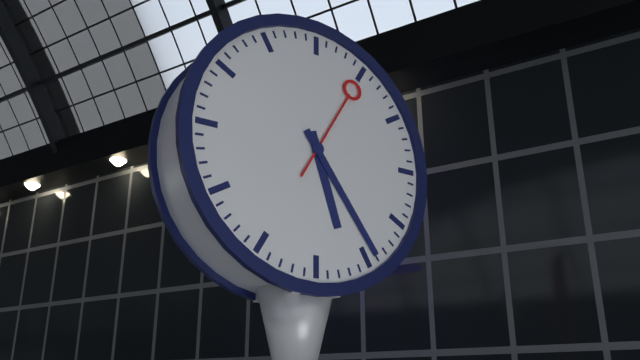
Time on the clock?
5:24:05
